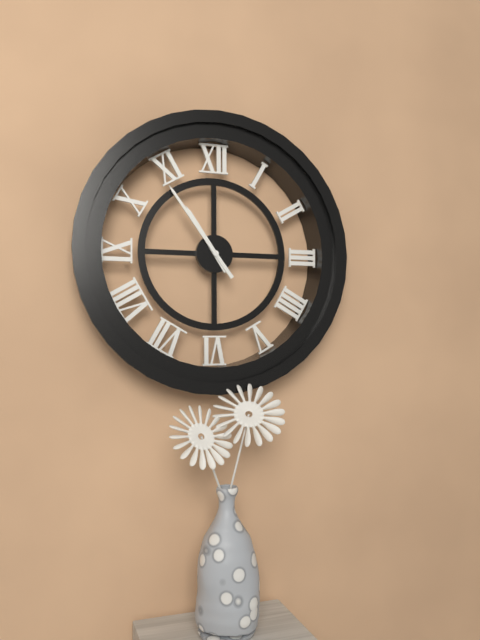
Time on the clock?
10:54
